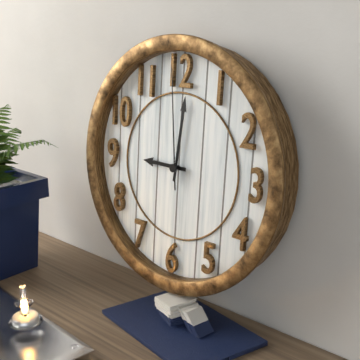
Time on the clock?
9:01:59
